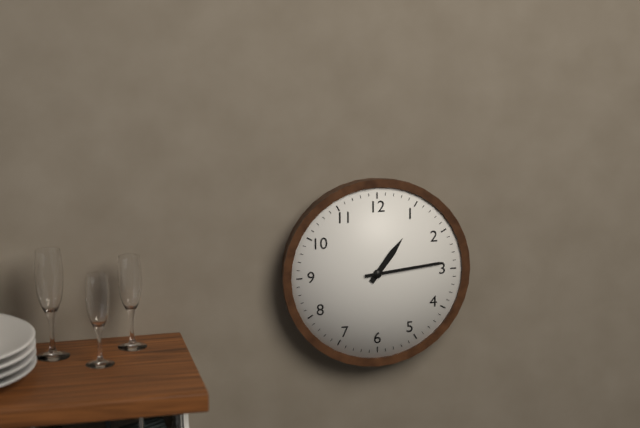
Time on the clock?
1:14
